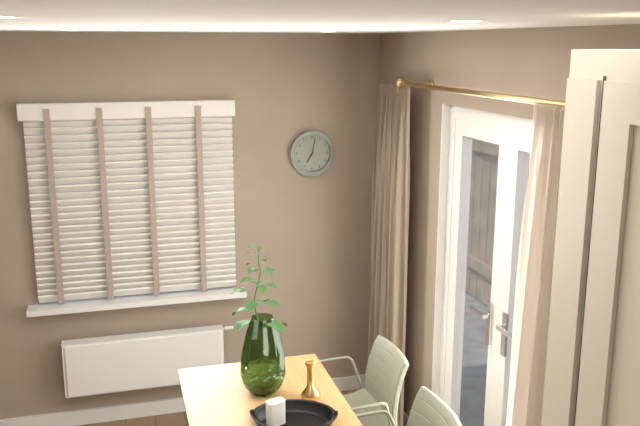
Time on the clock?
7:02
